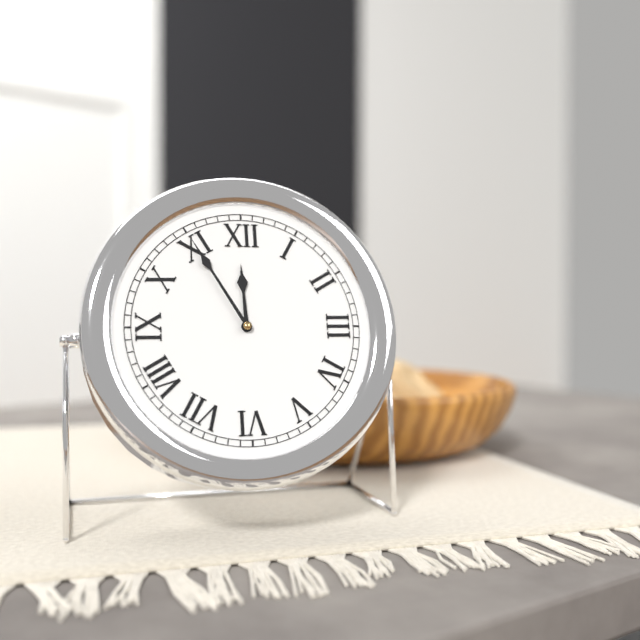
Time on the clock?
11:55
